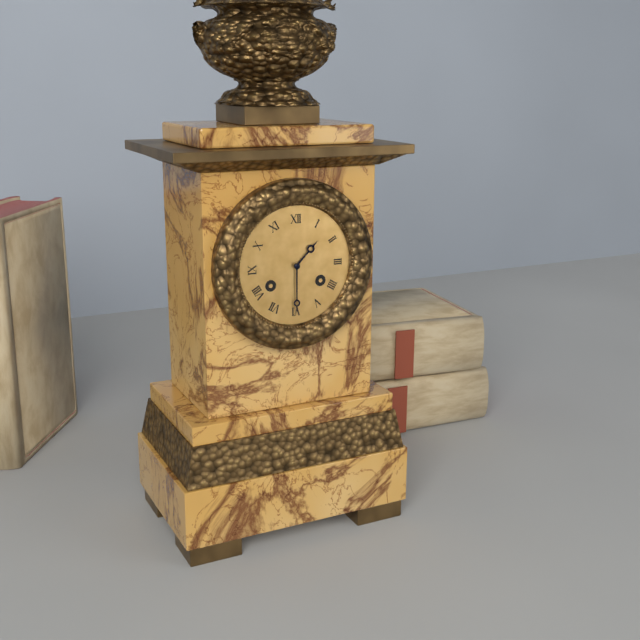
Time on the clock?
1:30
